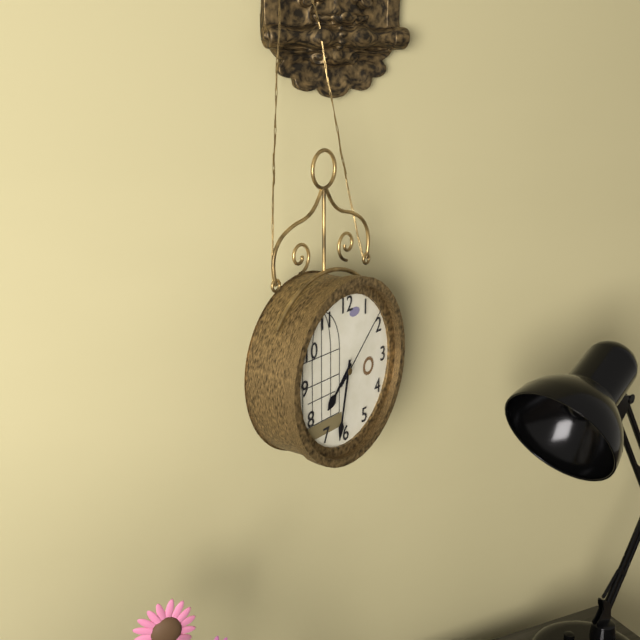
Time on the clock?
7:32:08
